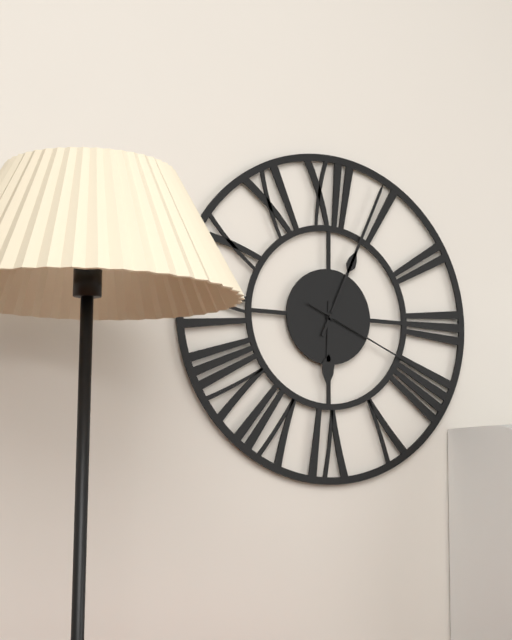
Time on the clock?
6:04:19
